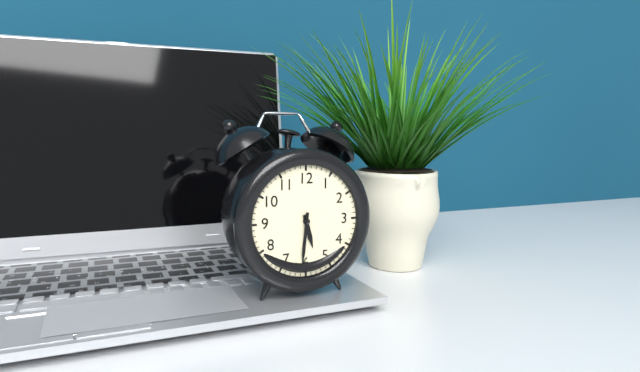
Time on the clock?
5:31
